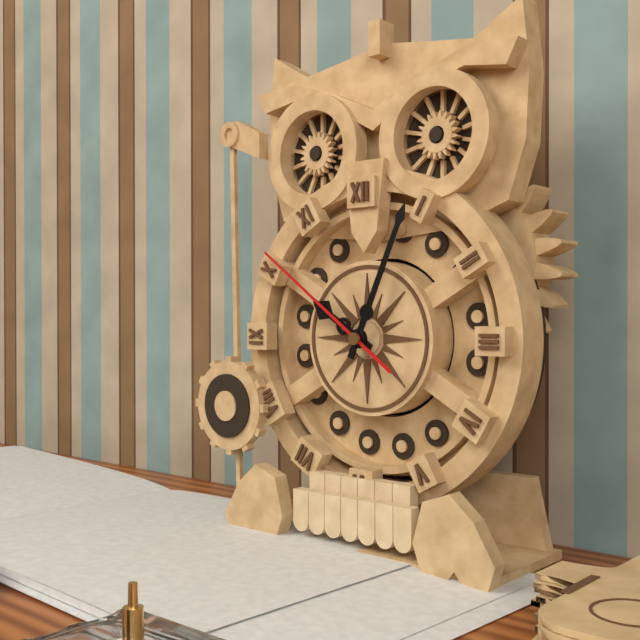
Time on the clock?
10:04:51
